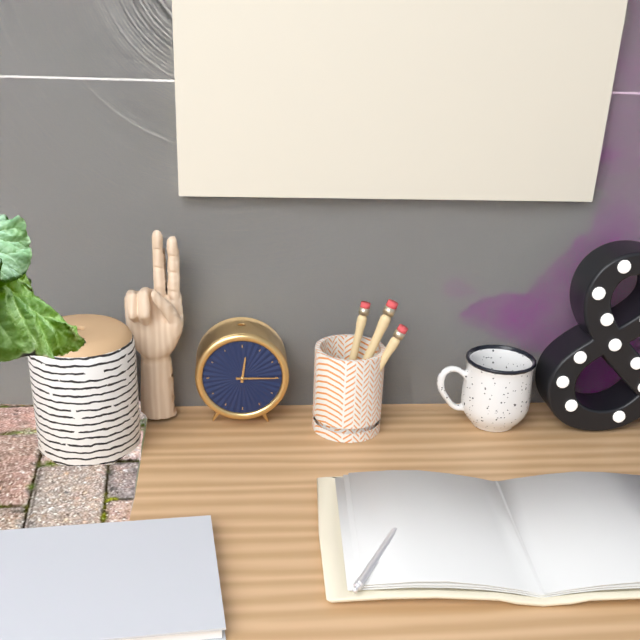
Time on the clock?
12:15
